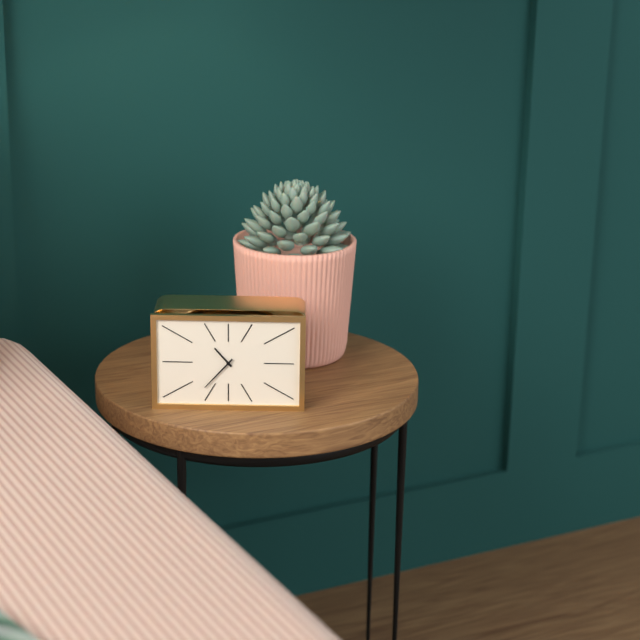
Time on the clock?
10:37
